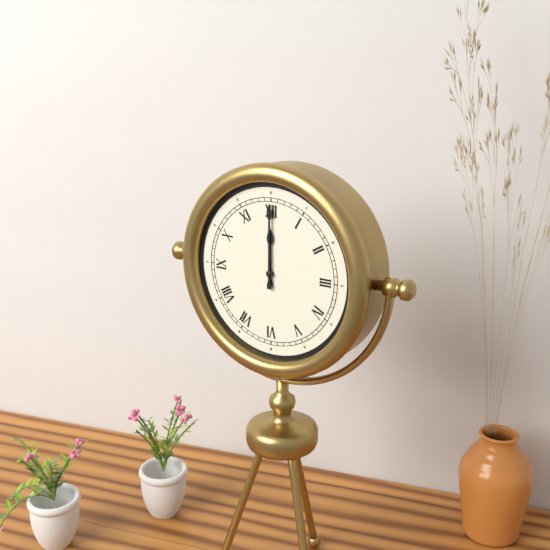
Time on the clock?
12:00
